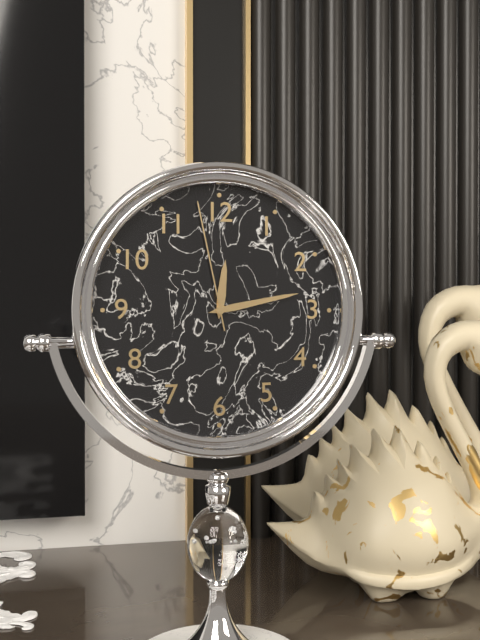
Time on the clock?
12:13:58
